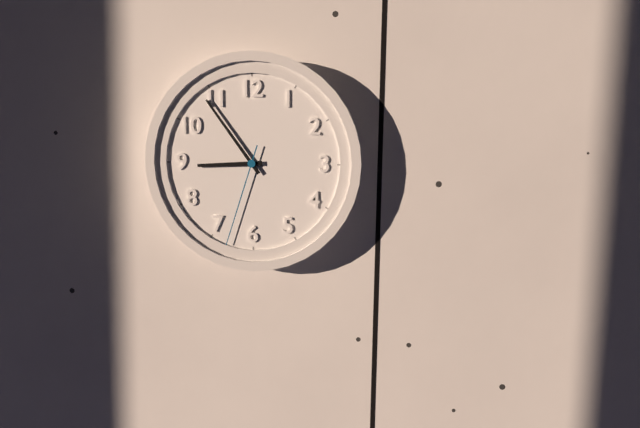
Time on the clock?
8:54:33
